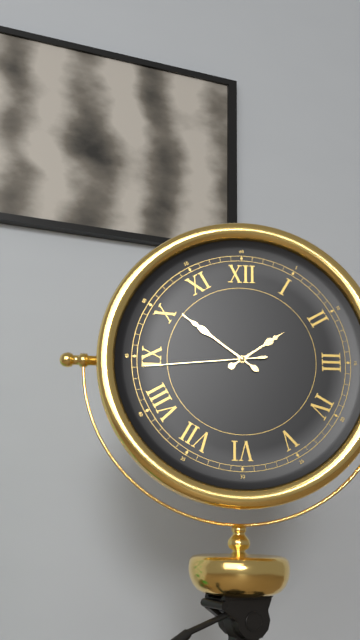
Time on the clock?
1:51:44
